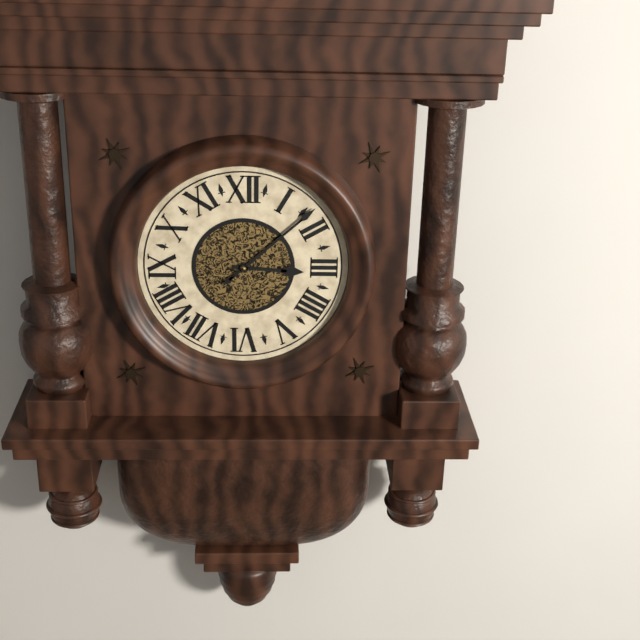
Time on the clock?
3:08
